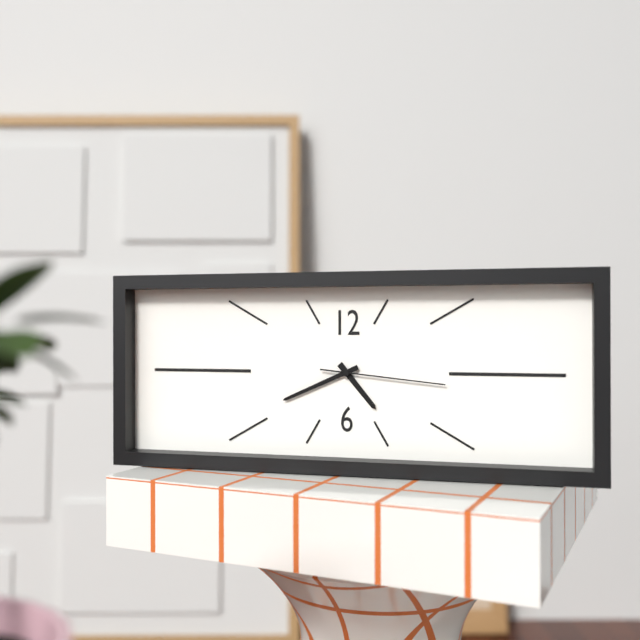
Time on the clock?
4:41:16
